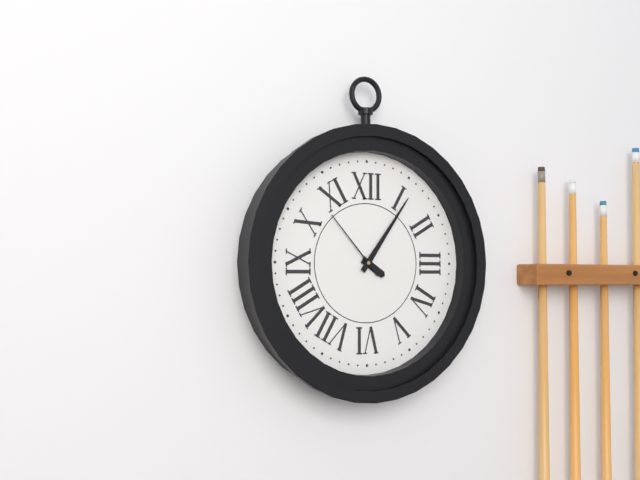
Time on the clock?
4:06:53
